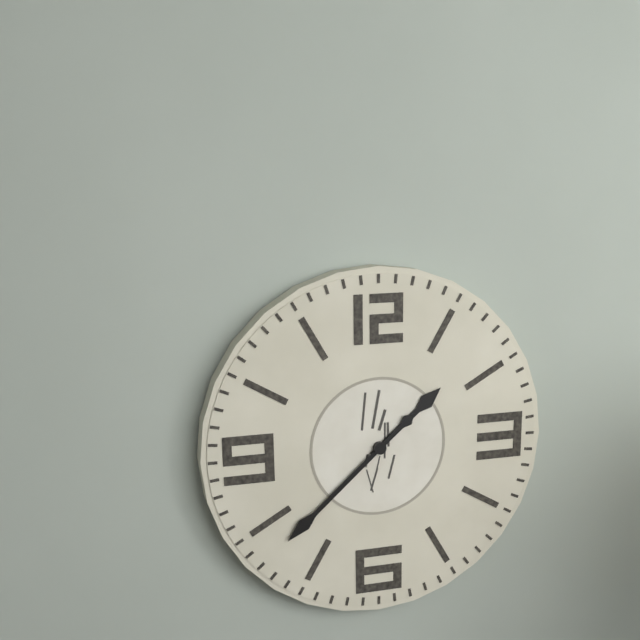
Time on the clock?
1:38
